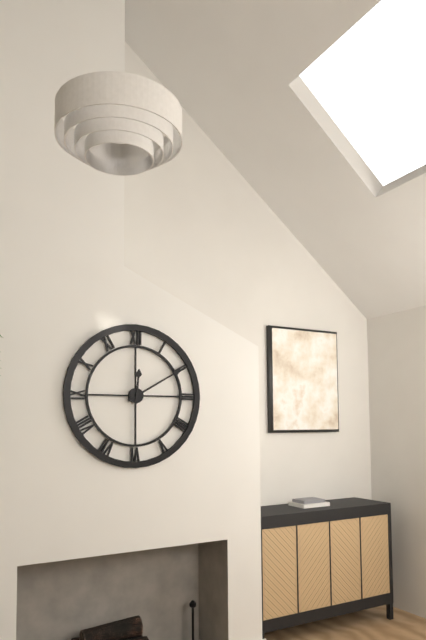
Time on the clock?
12:10
